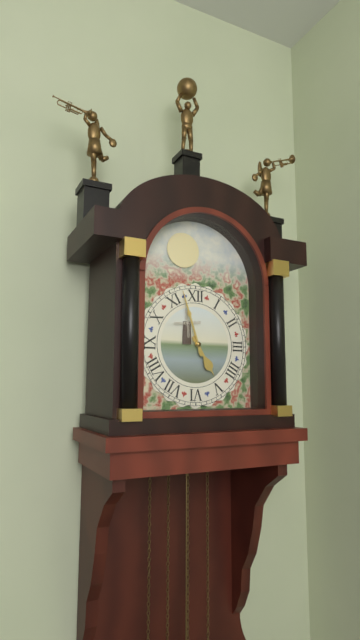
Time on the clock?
4:57
